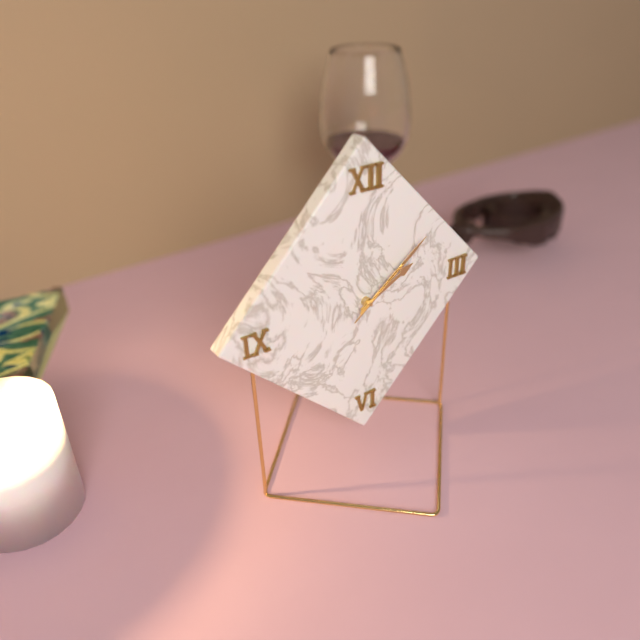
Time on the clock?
2:09:09
